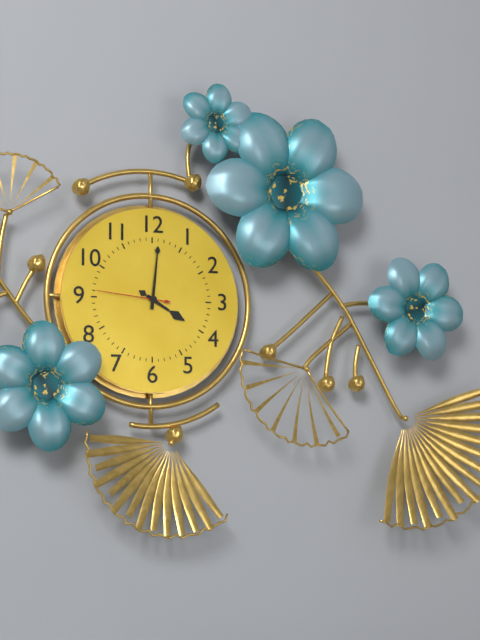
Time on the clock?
4:01:46
